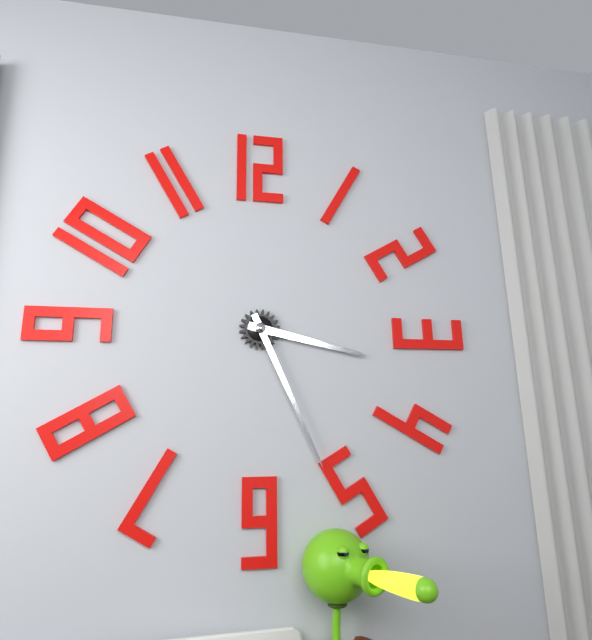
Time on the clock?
3:26
